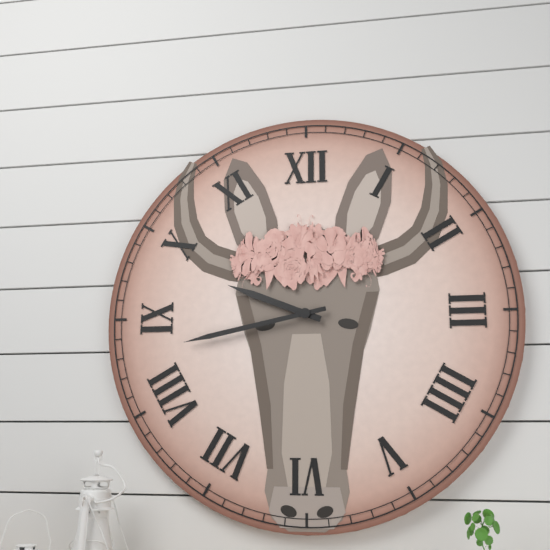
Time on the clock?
9:43
